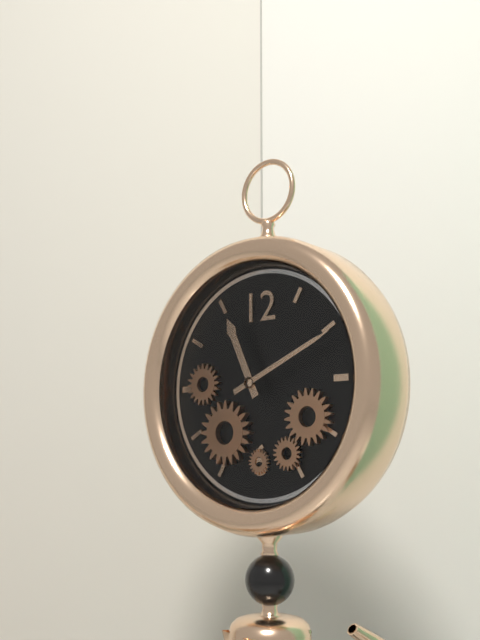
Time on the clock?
11:11
